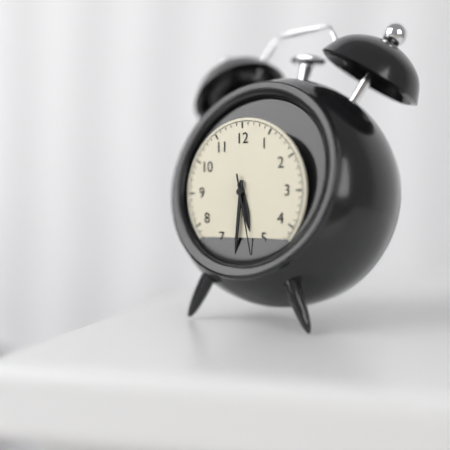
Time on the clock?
5:31:28
